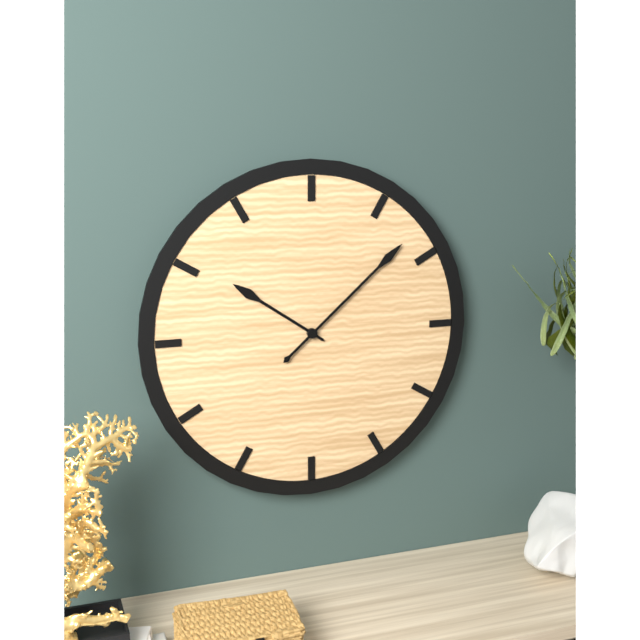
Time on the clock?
10:08
